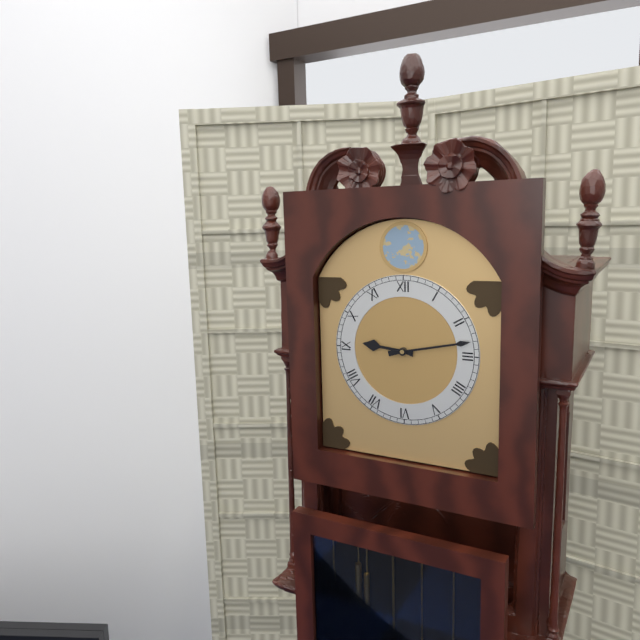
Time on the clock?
9:13
